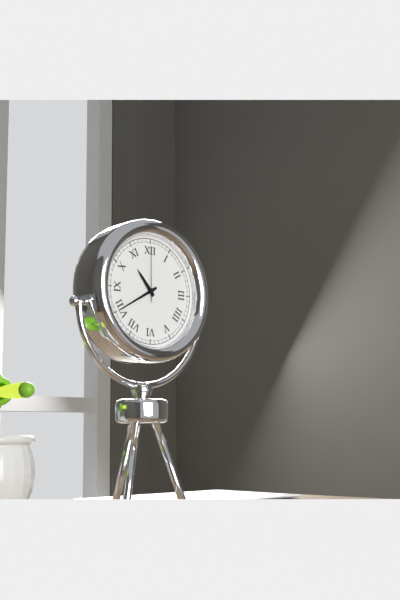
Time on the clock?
10:40:00
